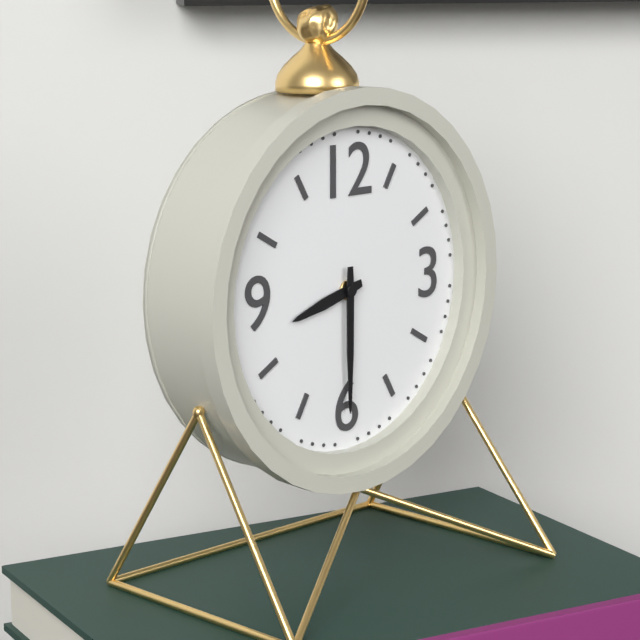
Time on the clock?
8:30
